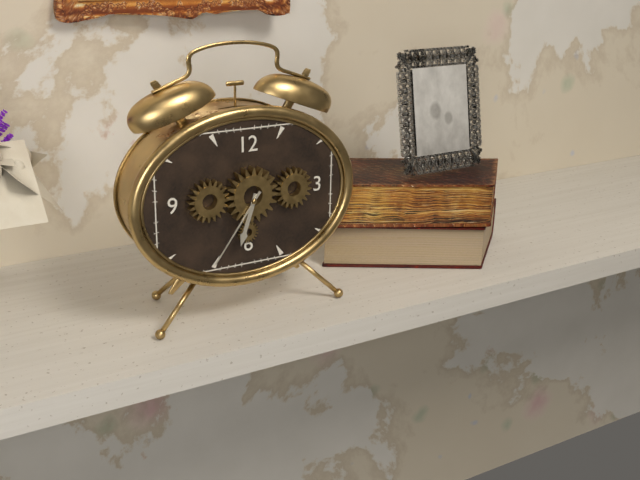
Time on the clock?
6:36
